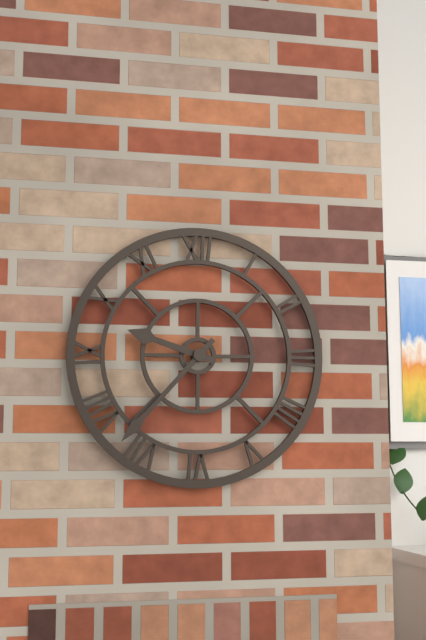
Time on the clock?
9:37
